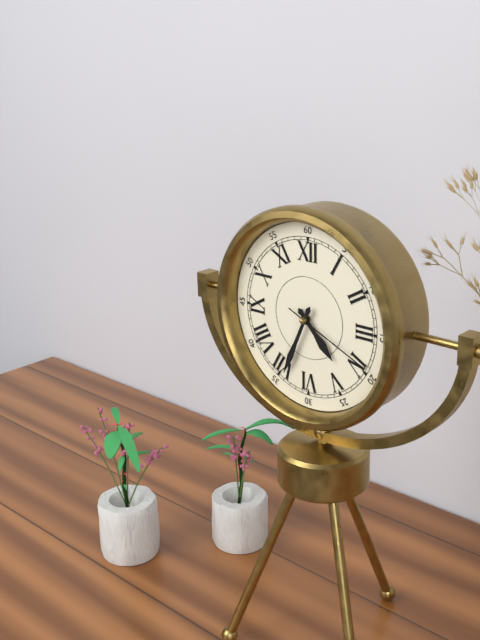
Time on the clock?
4:34:19
